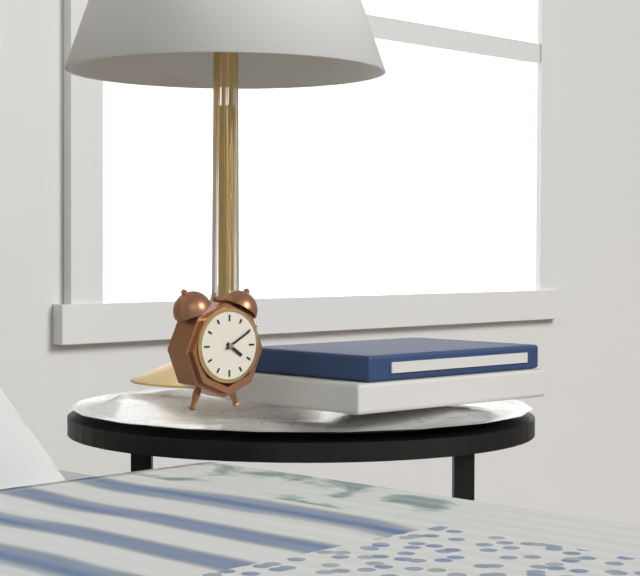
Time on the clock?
4:10
